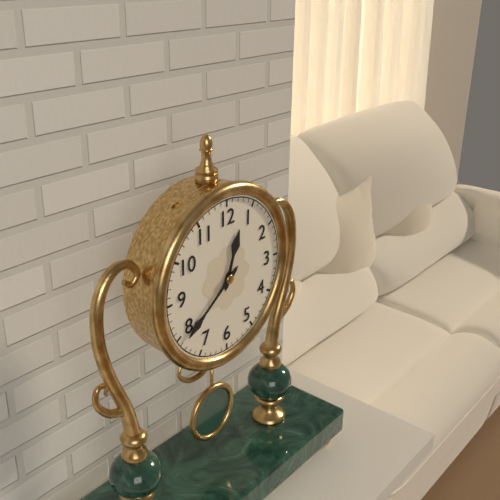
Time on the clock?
12:39
